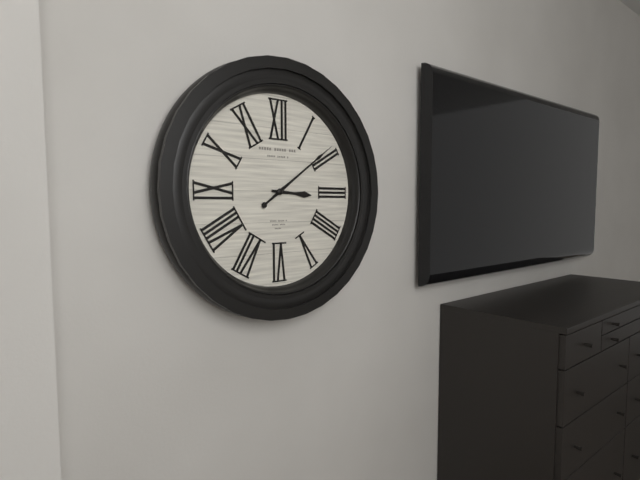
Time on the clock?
3:09
